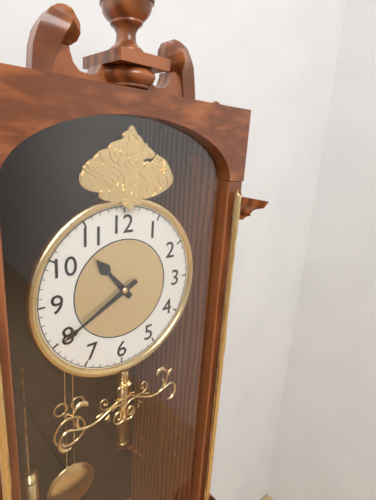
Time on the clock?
10:40
